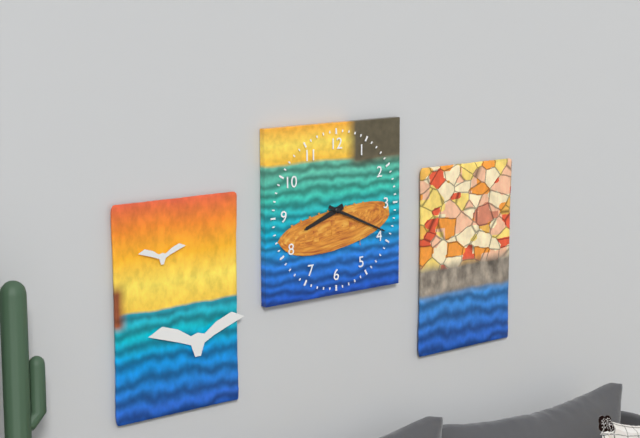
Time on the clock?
8:19
